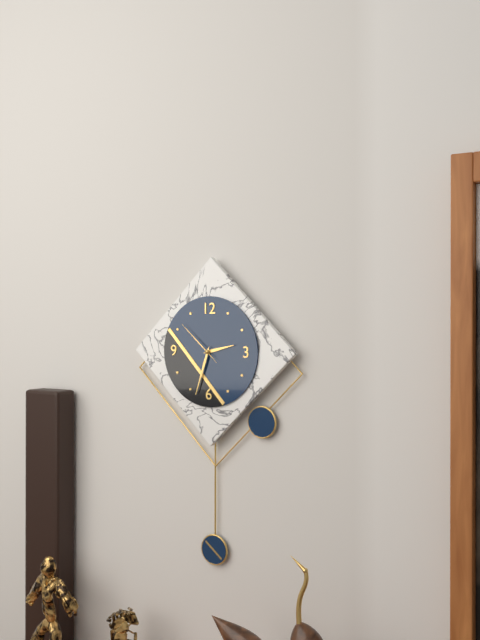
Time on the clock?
2:33
